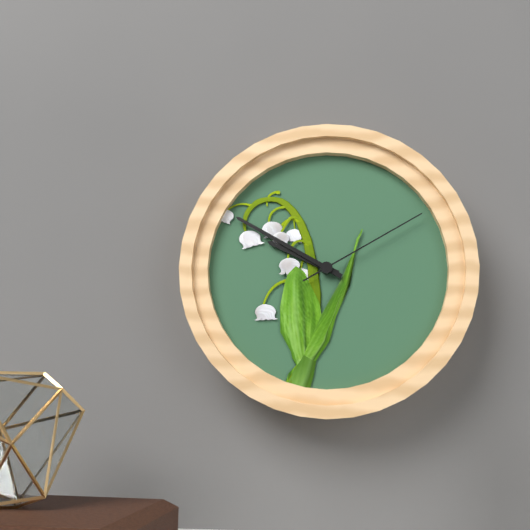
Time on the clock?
9:50:10
